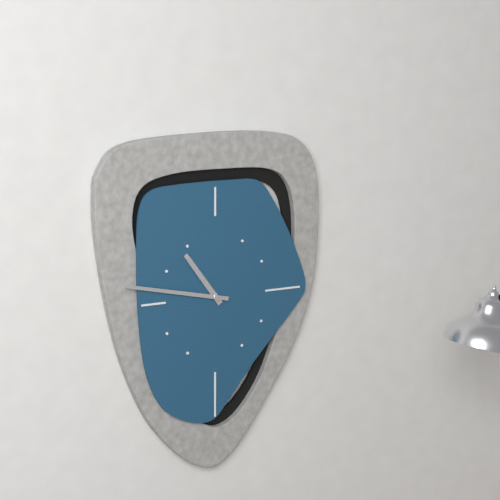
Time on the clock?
10:47
